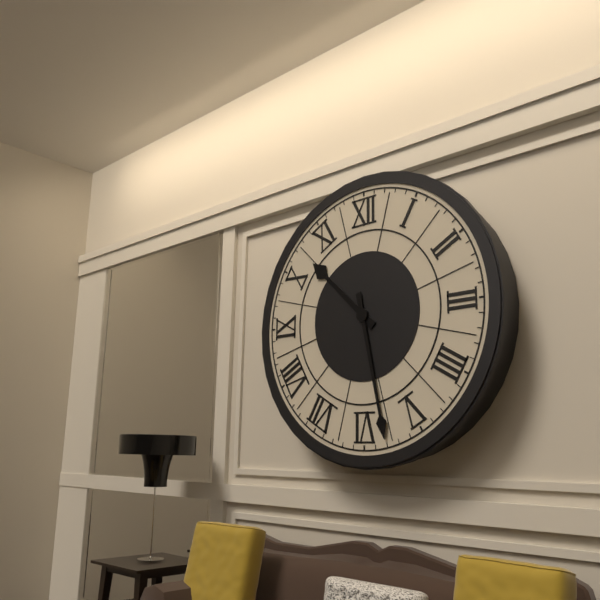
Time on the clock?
10:28
